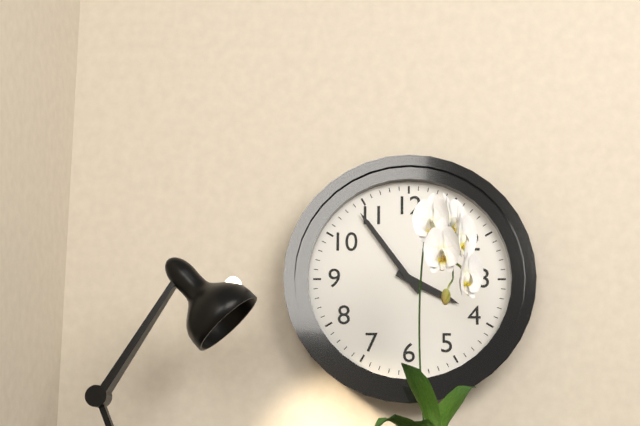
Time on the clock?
3:54
